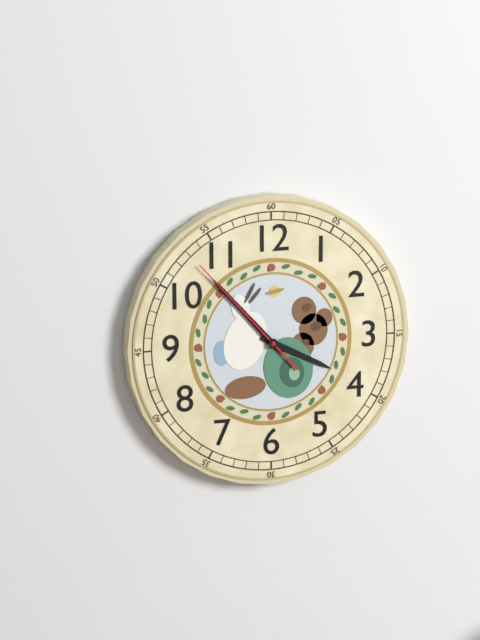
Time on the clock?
3:53:53
